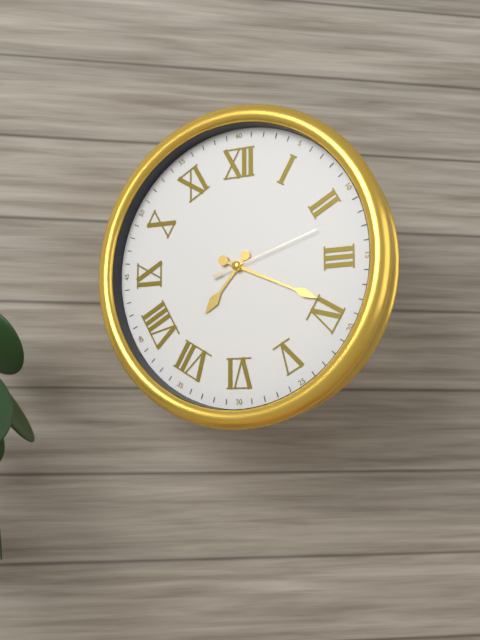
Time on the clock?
7:19:12
